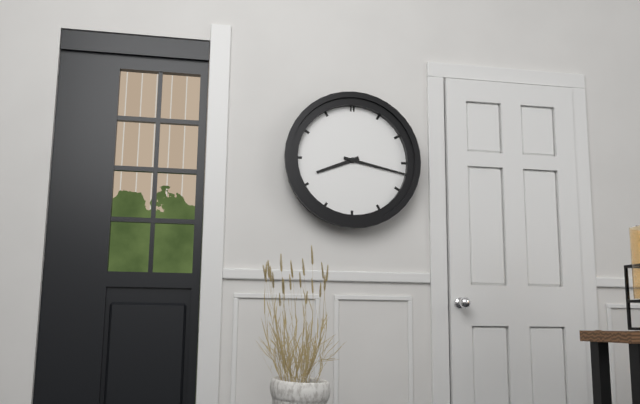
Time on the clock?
8:17
